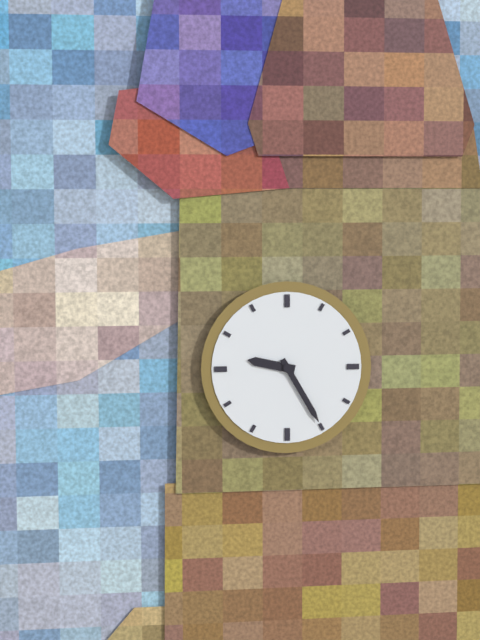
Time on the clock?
9:25
